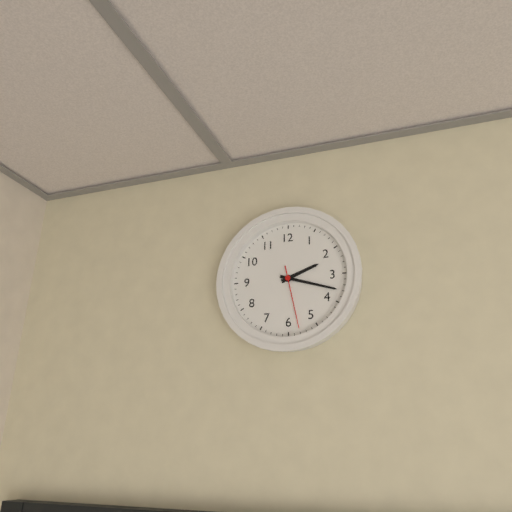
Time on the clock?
2:18:28
